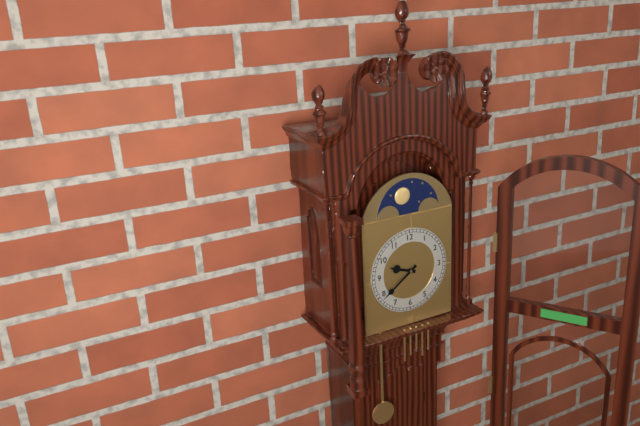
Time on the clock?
9:39
